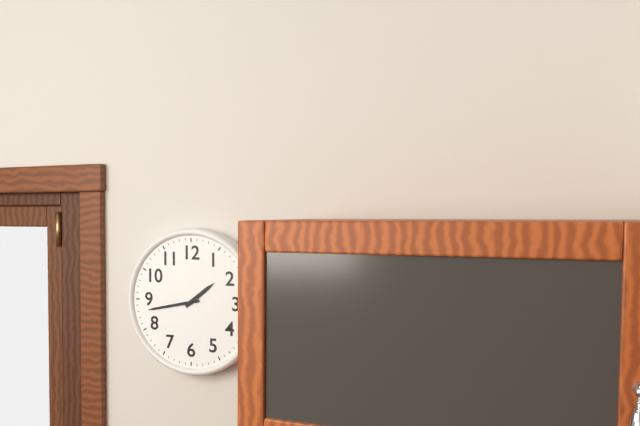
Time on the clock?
1:43
